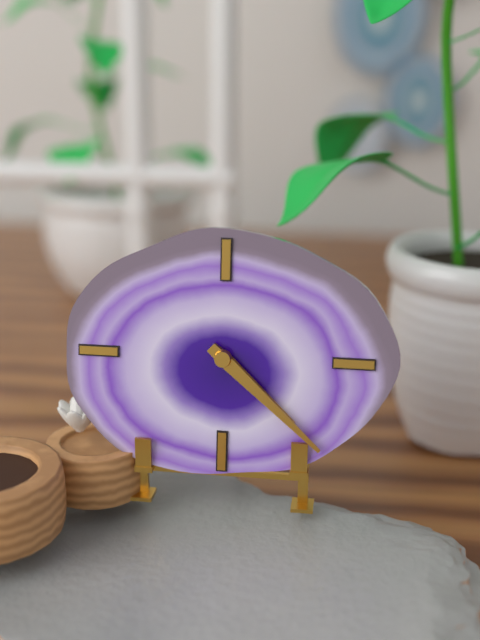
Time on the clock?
4:22
